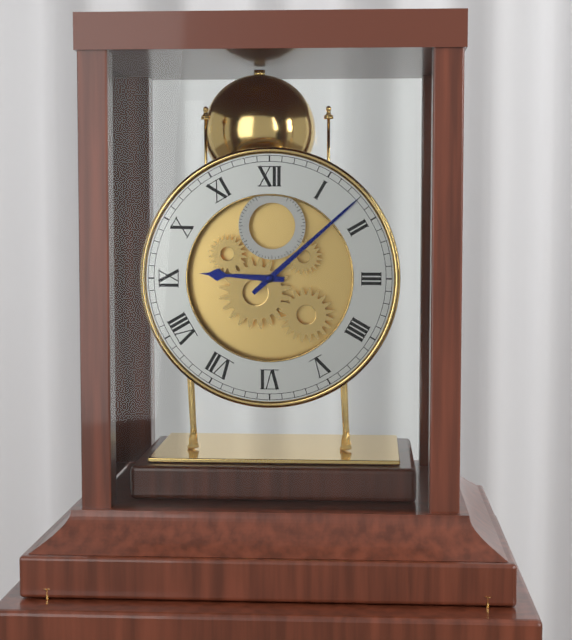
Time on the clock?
9:08
